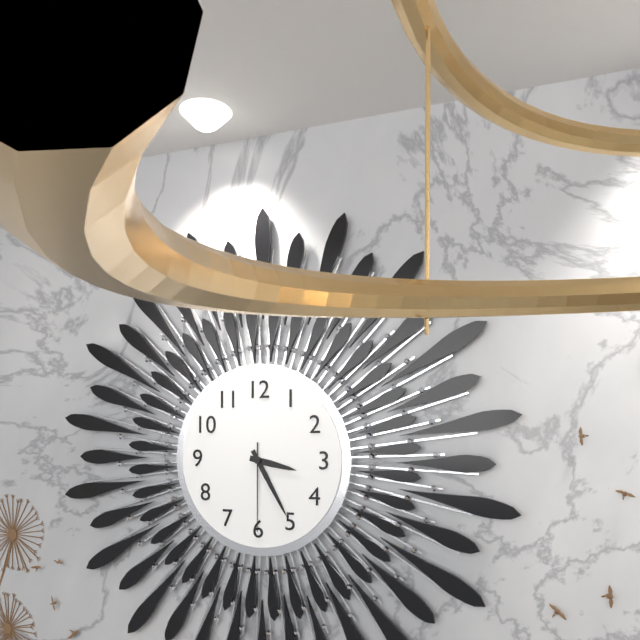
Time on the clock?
3:25:30
